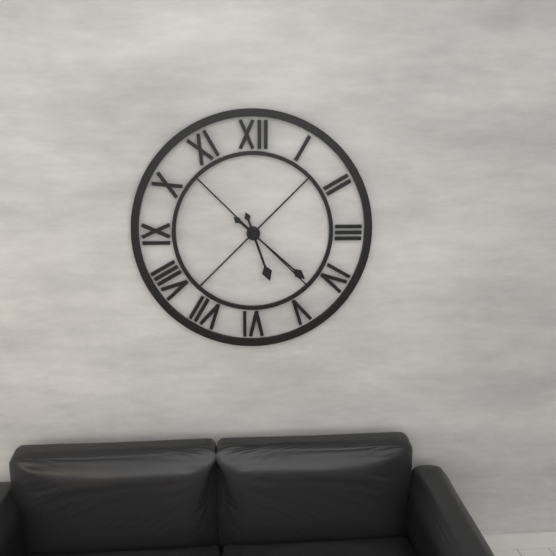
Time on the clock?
5:22
